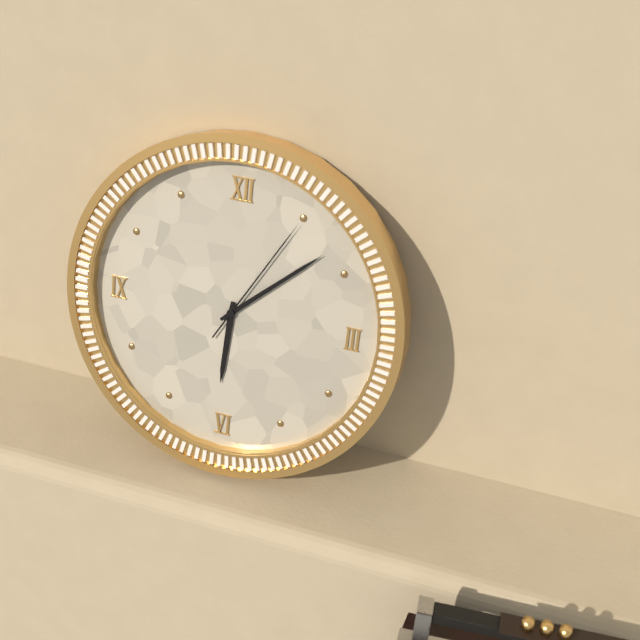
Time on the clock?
6:08:05
